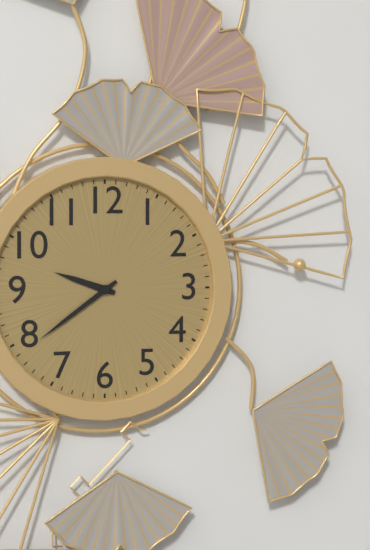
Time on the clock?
9:39
